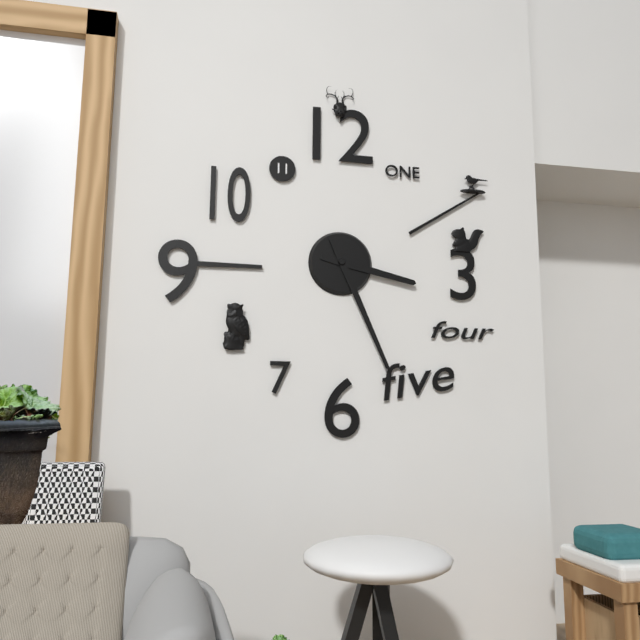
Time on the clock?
3:26
